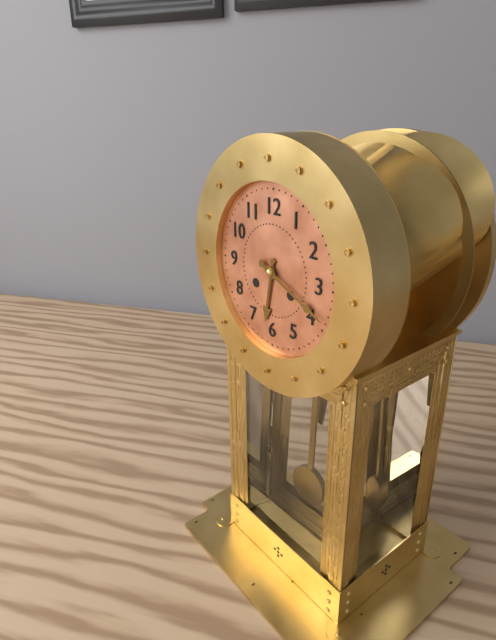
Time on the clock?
6:19
